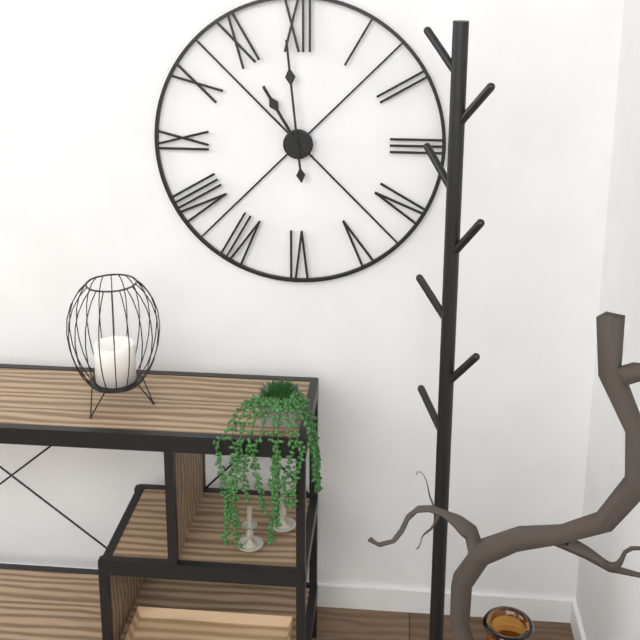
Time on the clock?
10:59
